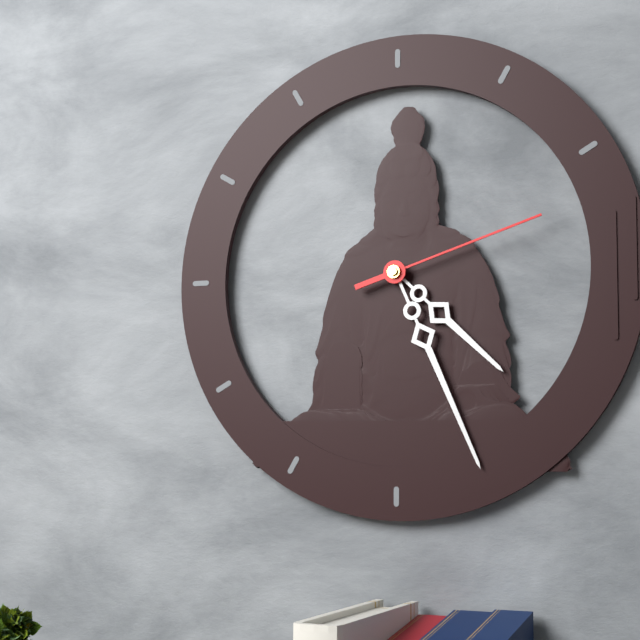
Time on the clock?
4:26:12
